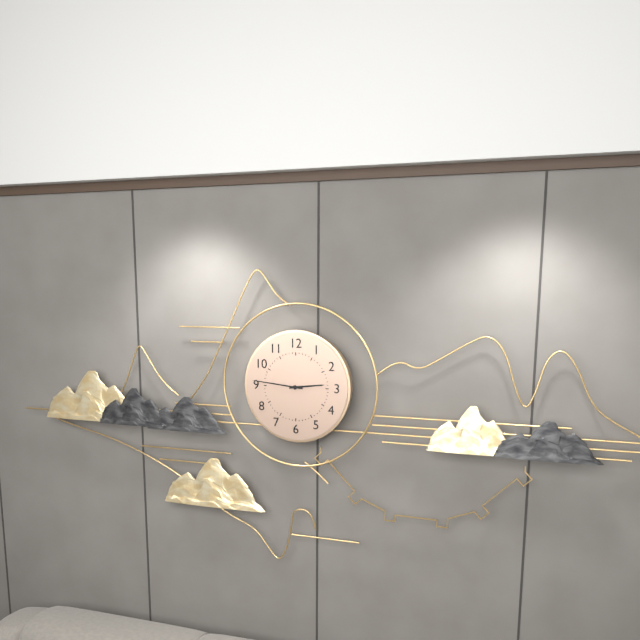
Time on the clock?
2:46
